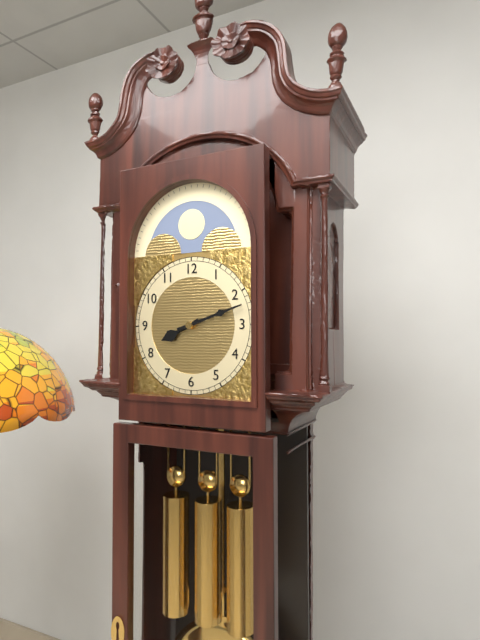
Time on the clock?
8:12
